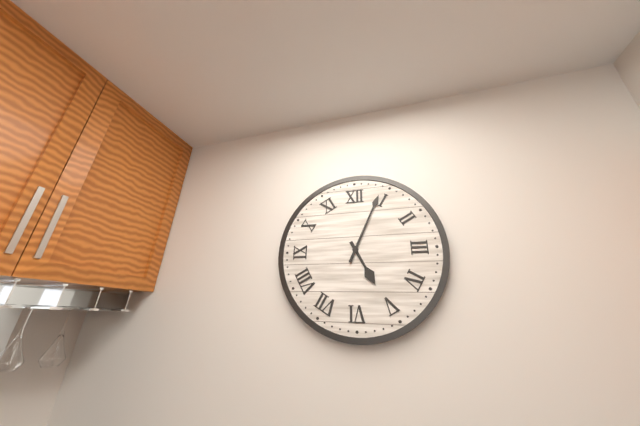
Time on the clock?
5:04
